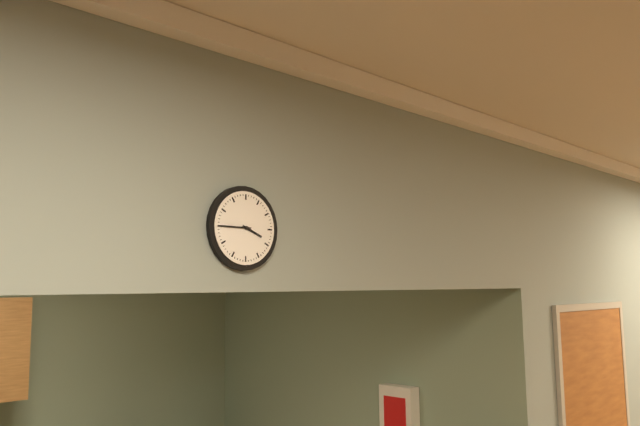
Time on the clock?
3:45
